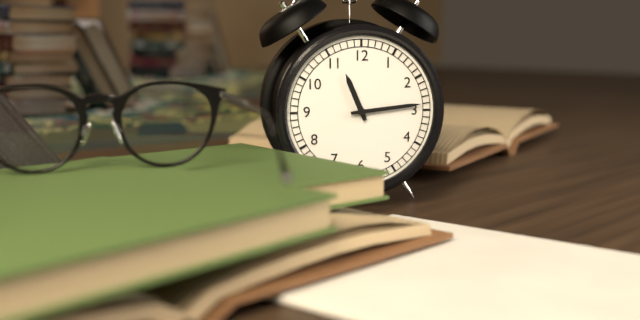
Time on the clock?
11:14
